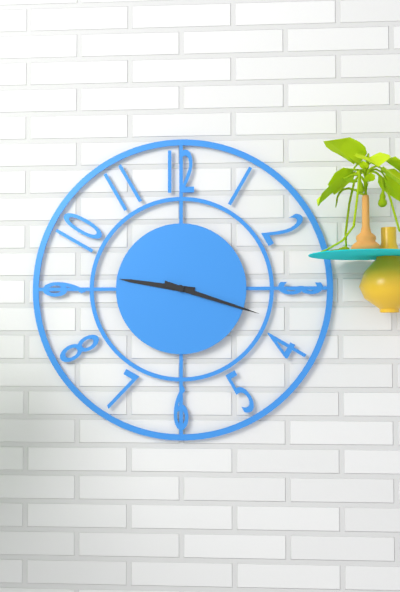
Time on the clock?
9:18
